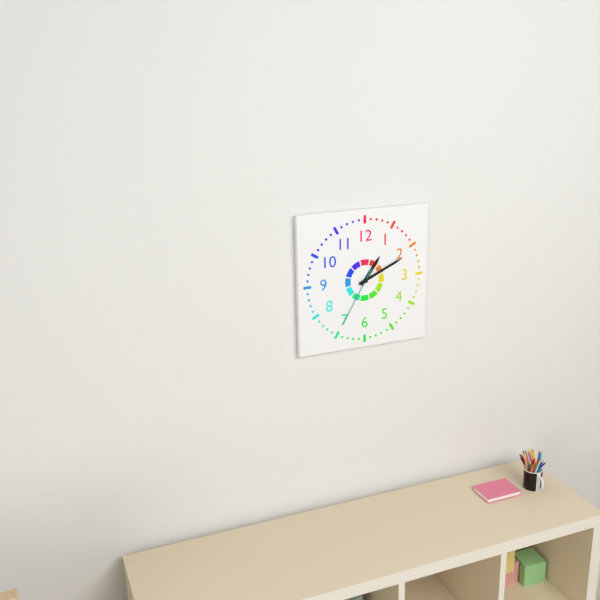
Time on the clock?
1:11:35
